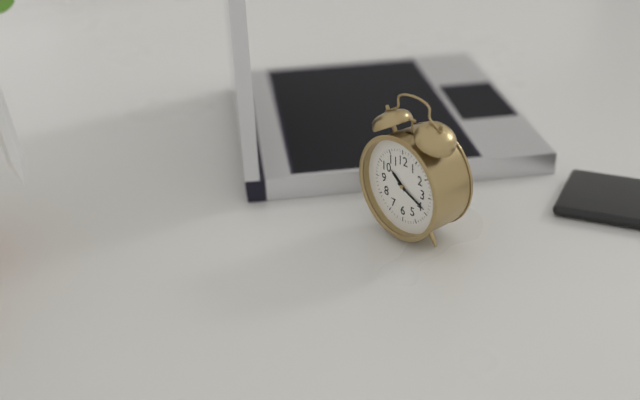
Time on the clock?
10:19
